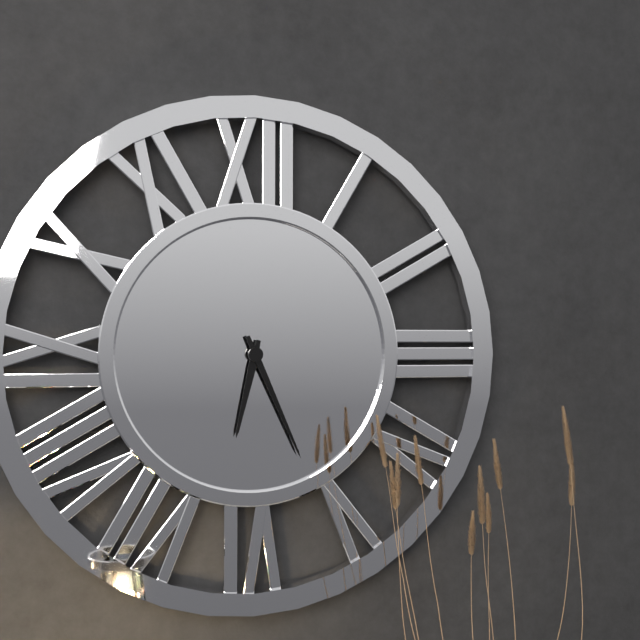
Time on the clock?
6:26
